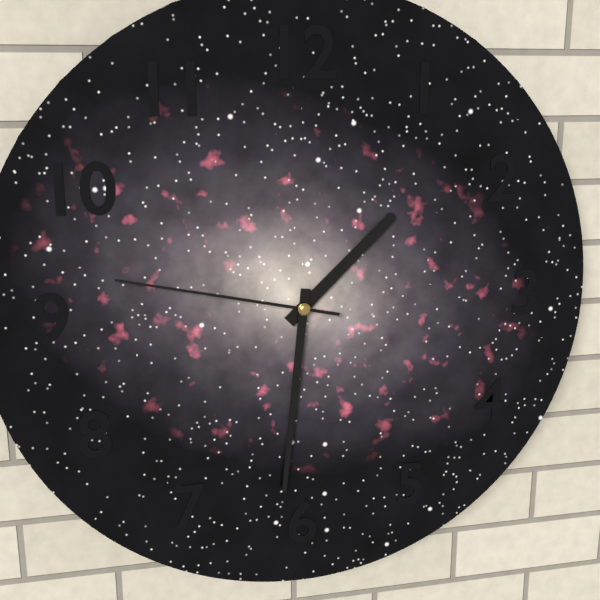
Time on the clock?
1:31:47
